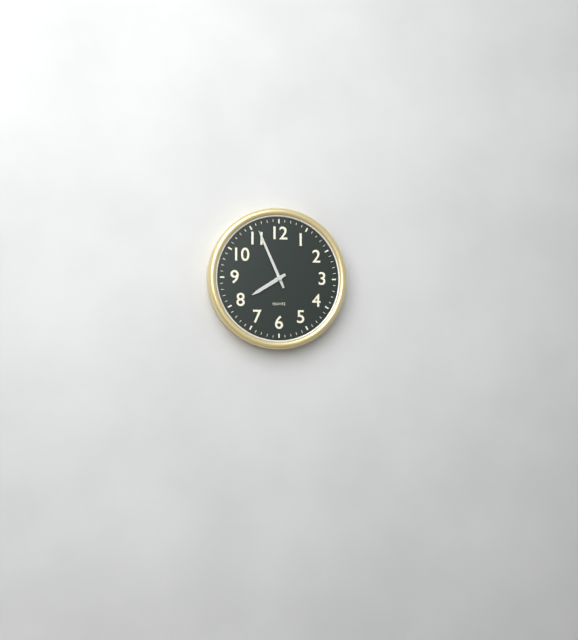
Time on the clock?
7:56
